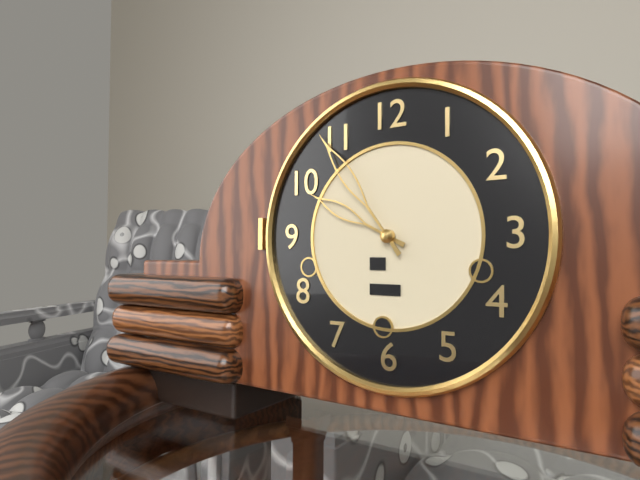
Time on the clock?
9:54
